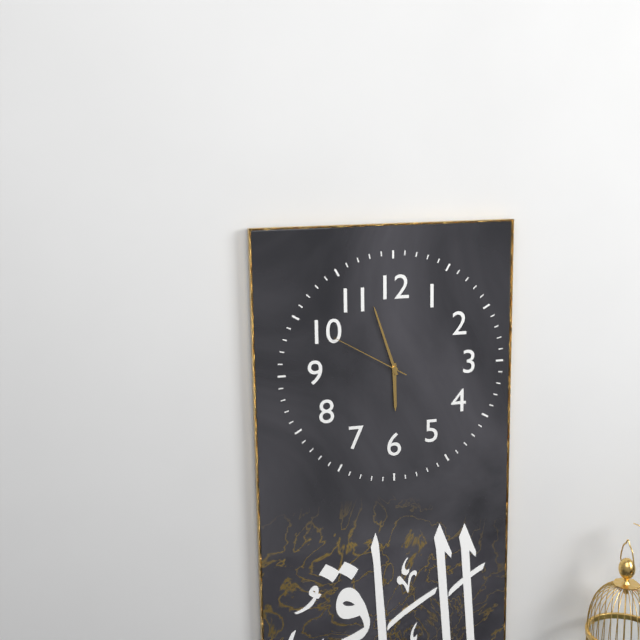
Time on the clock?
5:57:50
